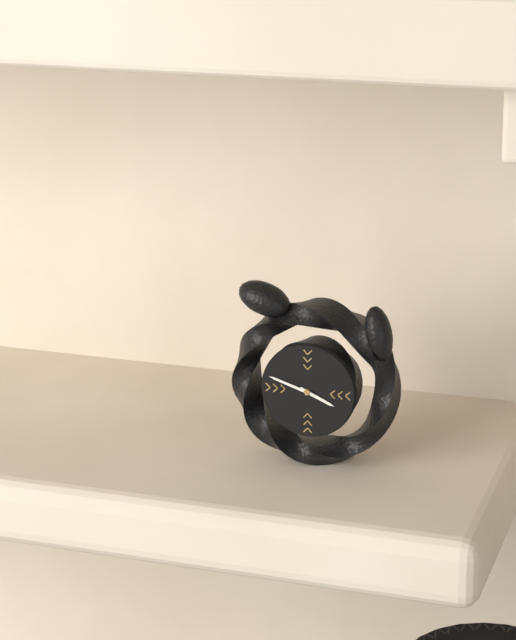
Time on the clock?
3:48
